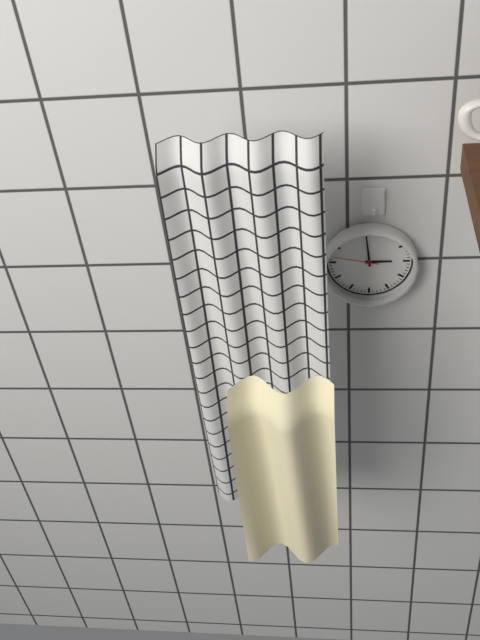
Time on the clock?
2:59
